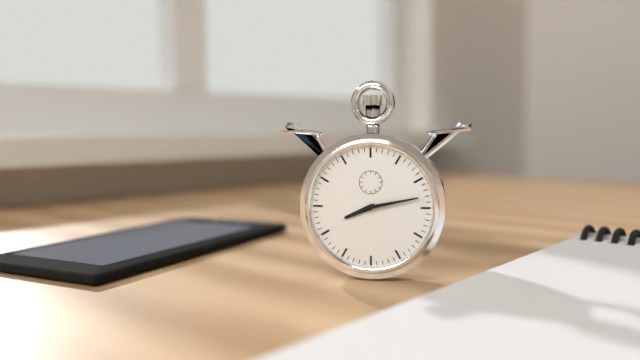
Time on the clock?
8:13
